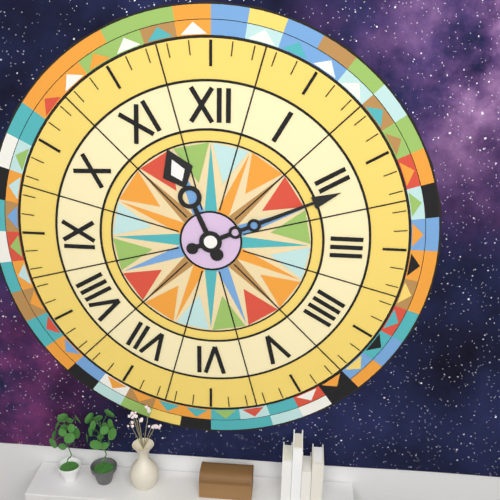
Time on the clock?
11:11
